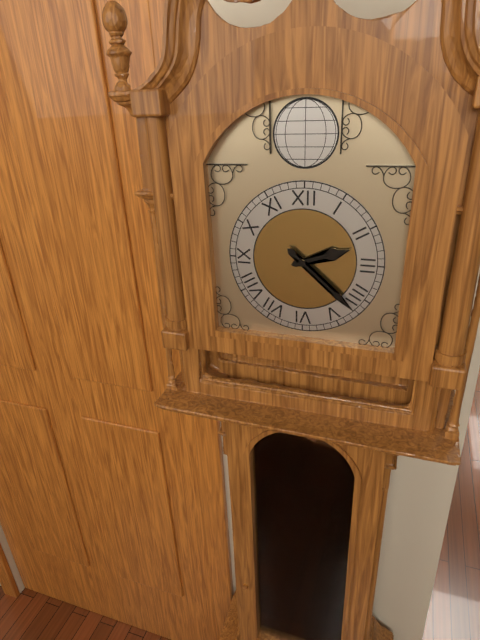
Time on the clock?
2:22
